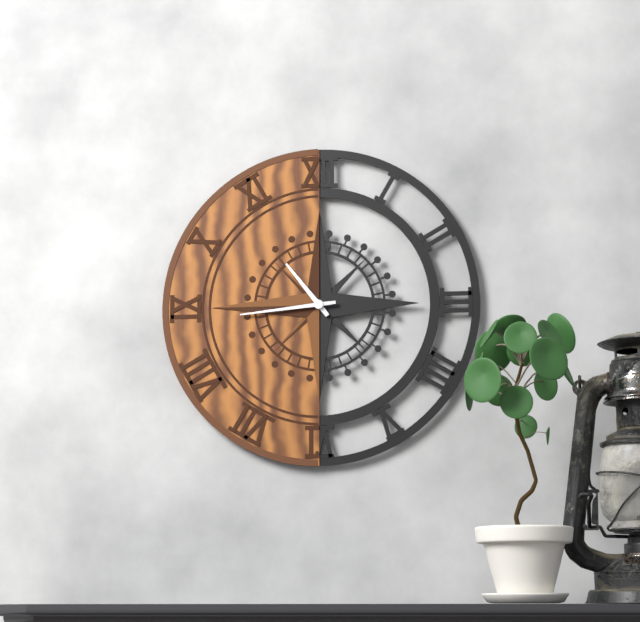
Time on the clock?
10:44
